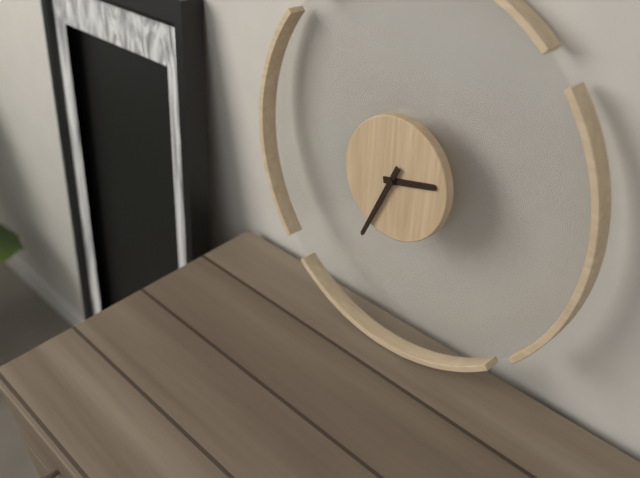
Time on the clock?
2:34
